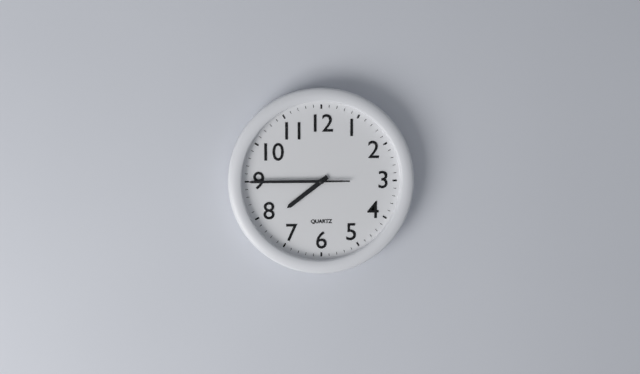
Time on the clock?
7:45
